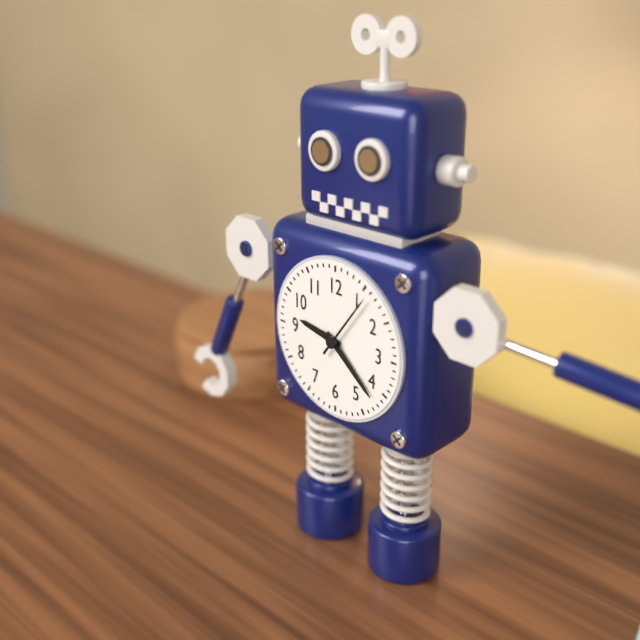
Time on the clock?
9:22:06
